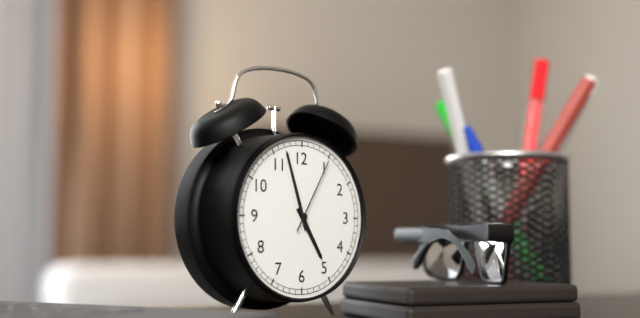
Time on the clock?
4:57:05
